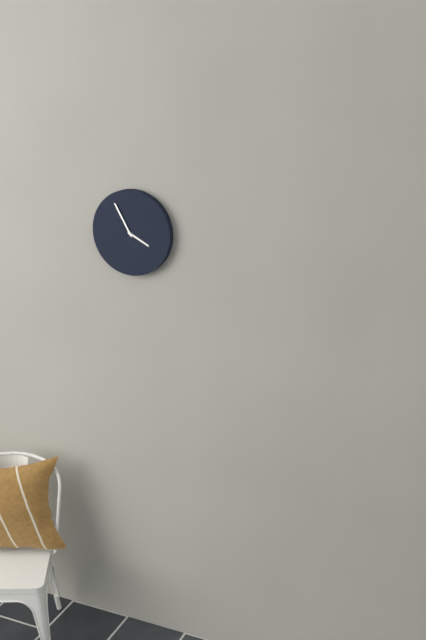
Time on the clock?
3:55
